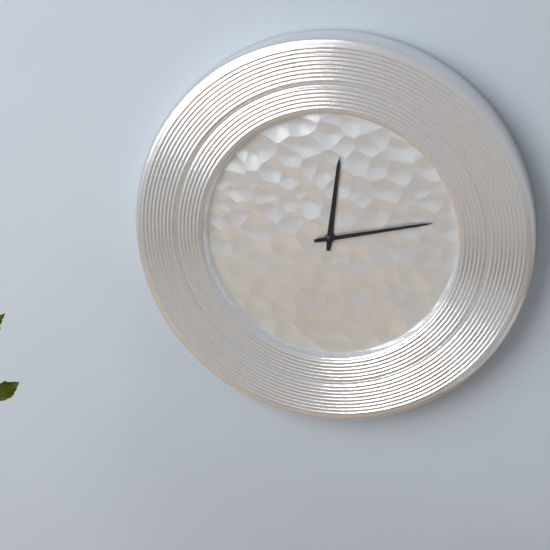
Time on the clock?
12:13
